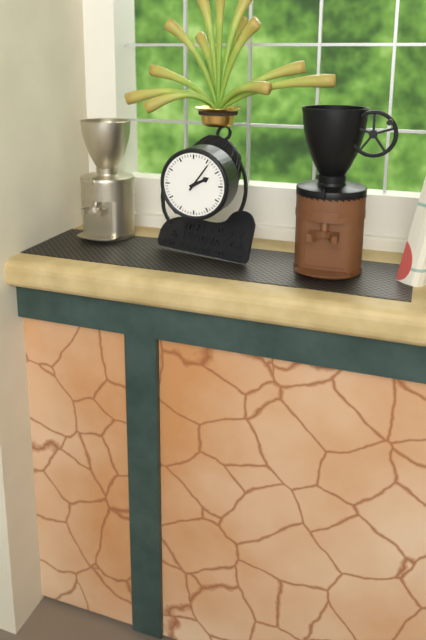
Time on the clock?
2:06
